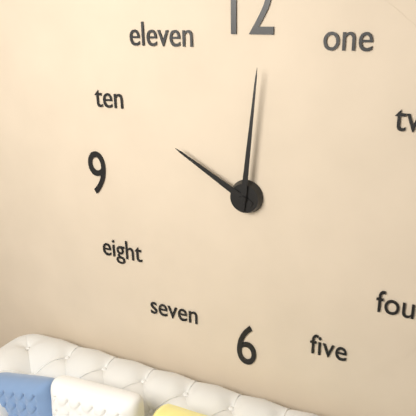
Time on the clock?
10:01
